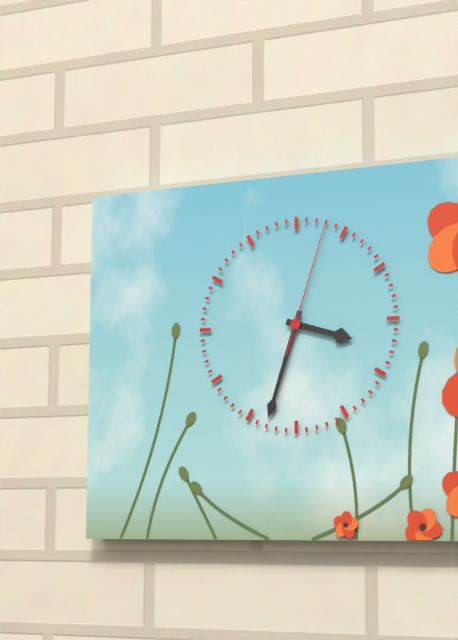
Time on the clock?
3:33:03
